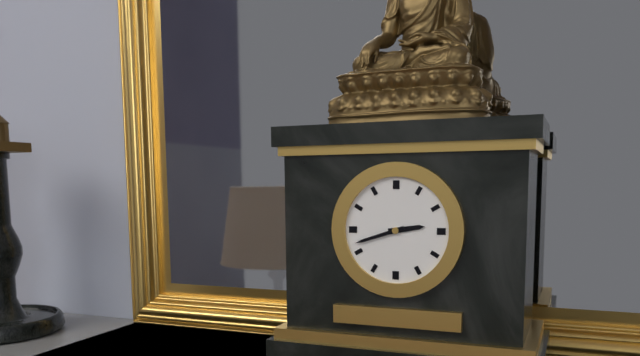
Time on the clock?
2:42
